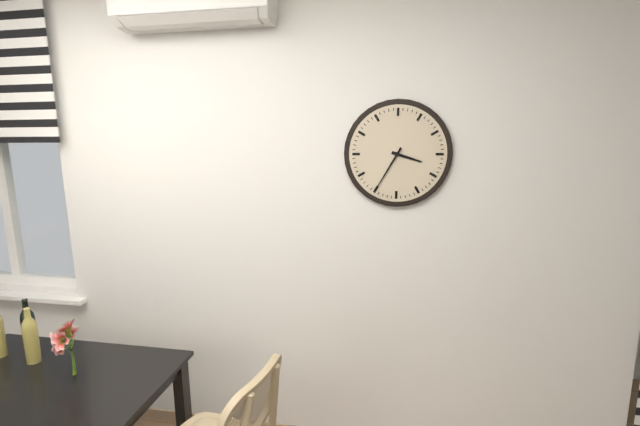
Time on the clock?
3:35
